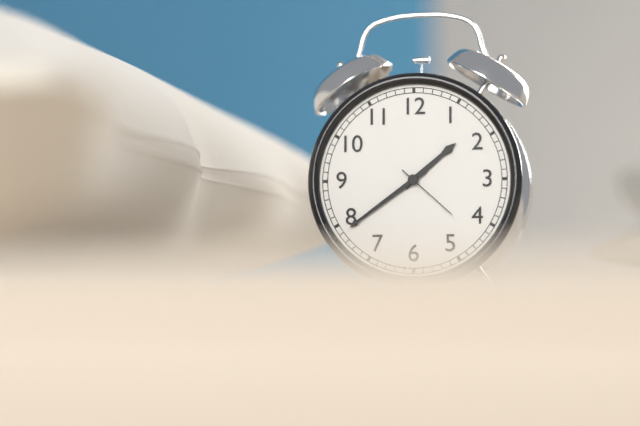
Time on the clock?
1:39:22
